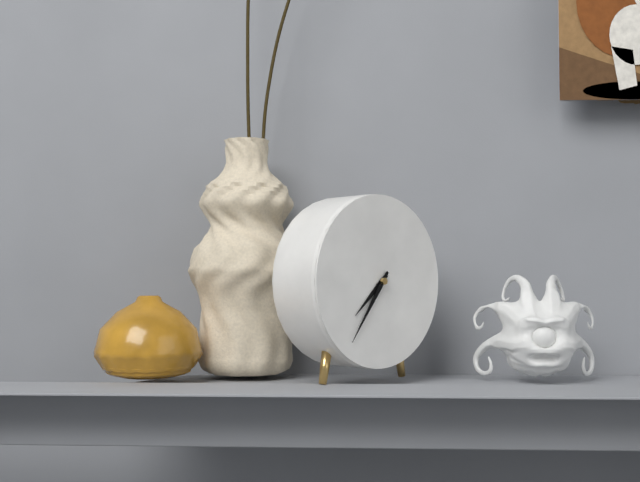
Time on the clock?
7:36
